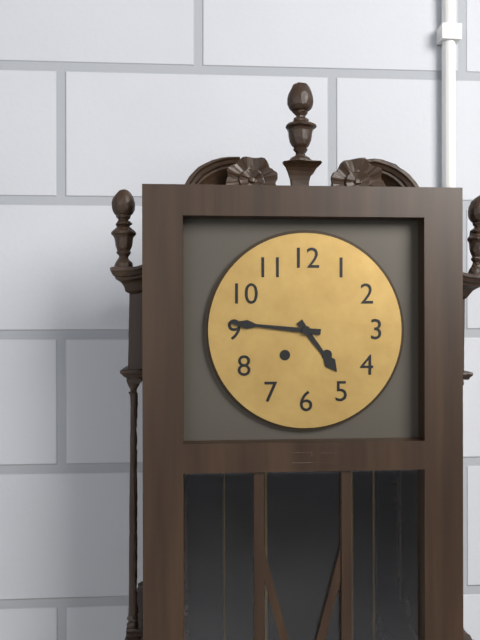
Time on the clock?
4:46
